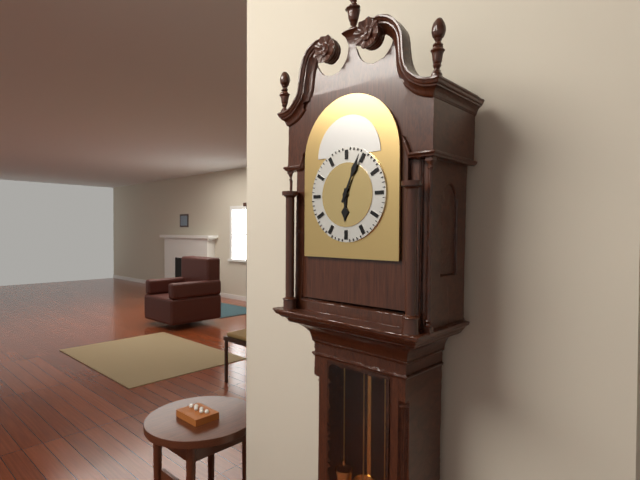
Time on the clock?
6:04
